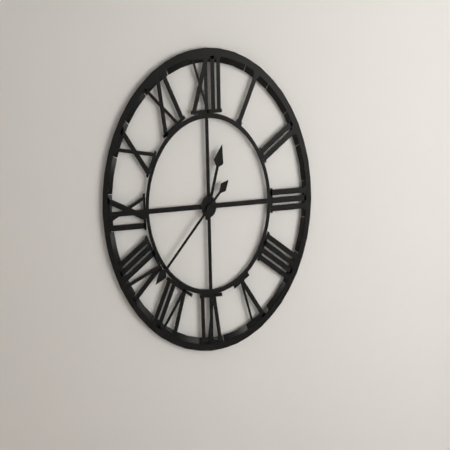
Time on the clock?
12:38
